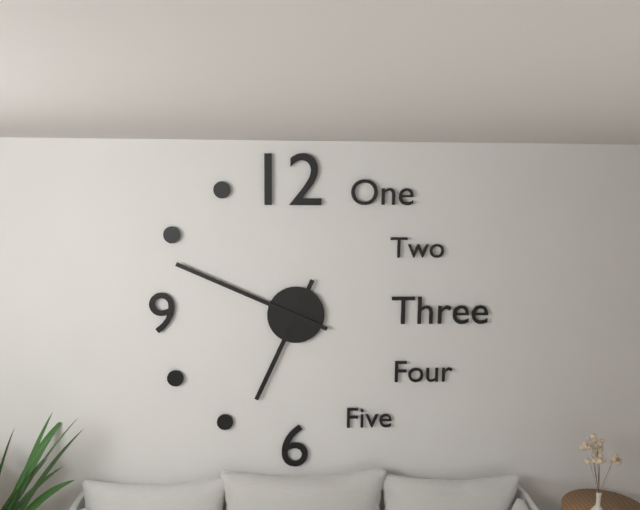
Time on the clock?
6:49
